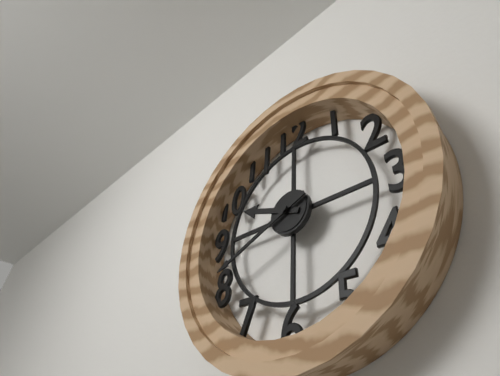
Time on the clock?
9:41
